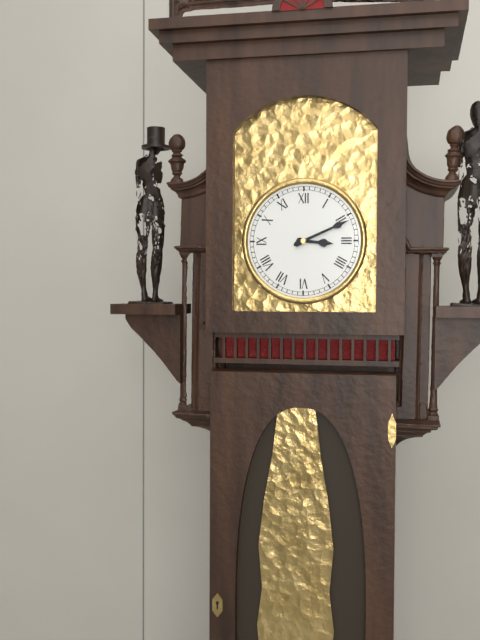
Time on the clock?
3:11
